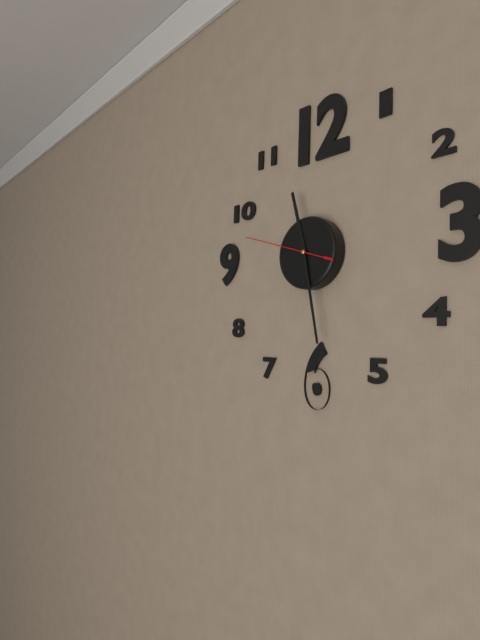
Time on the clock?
11:28:48
